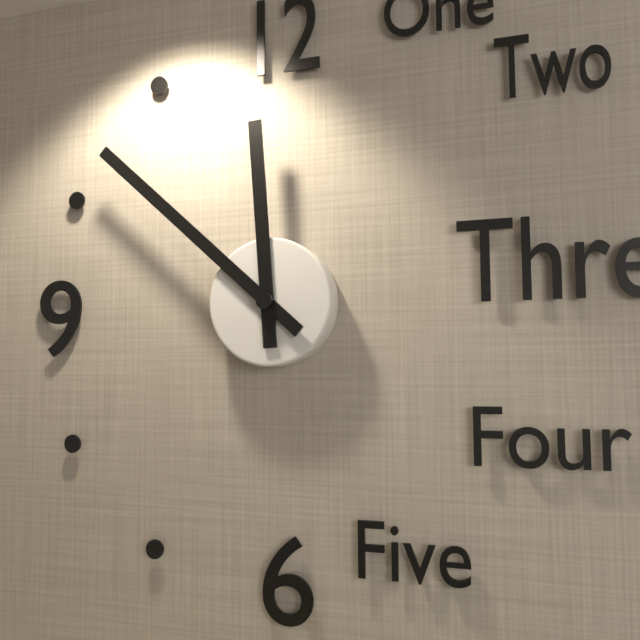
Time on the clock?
11:52
